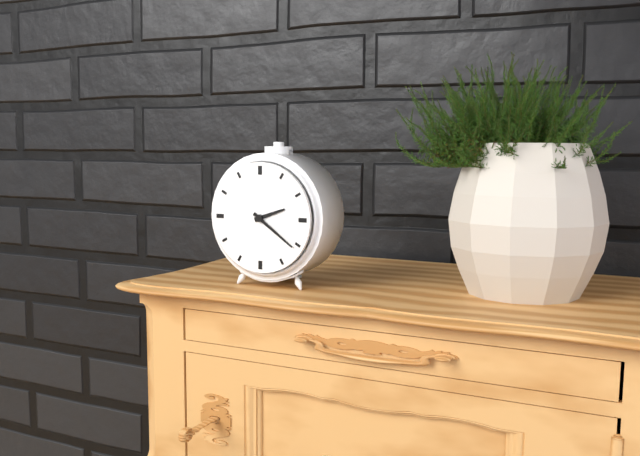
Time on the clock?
2:21
